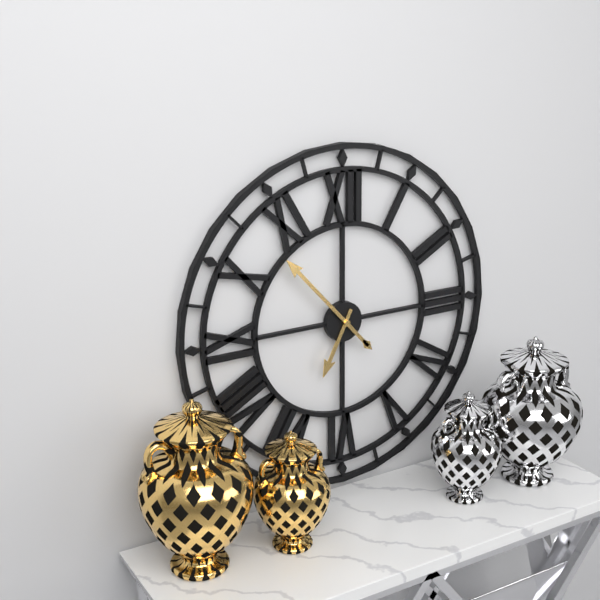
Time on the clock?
6:53
